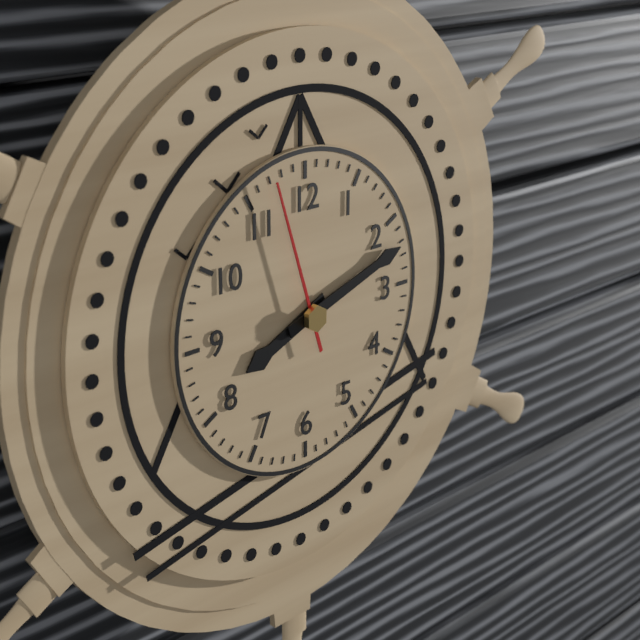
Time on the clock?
8:12:57
